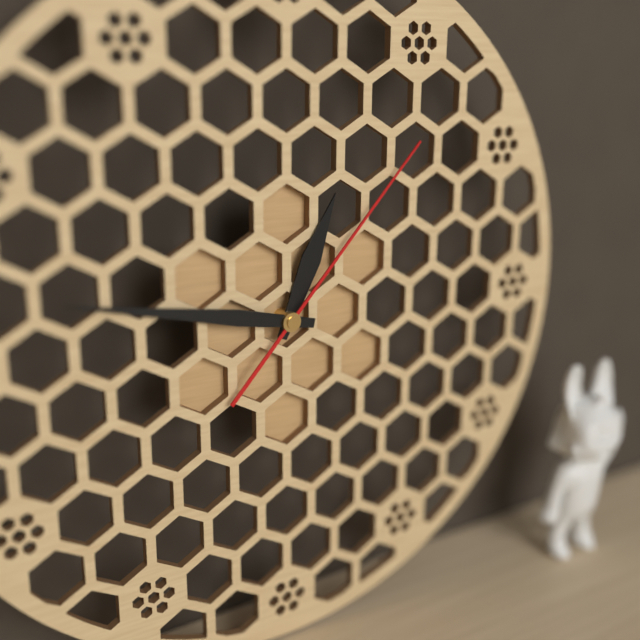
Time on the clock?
12:47:07
